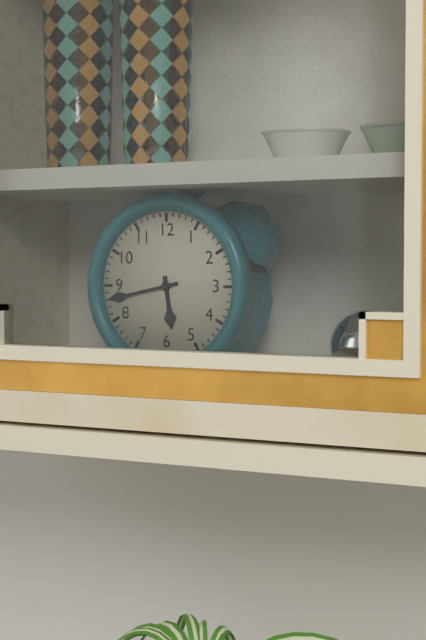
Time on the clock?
5:43
